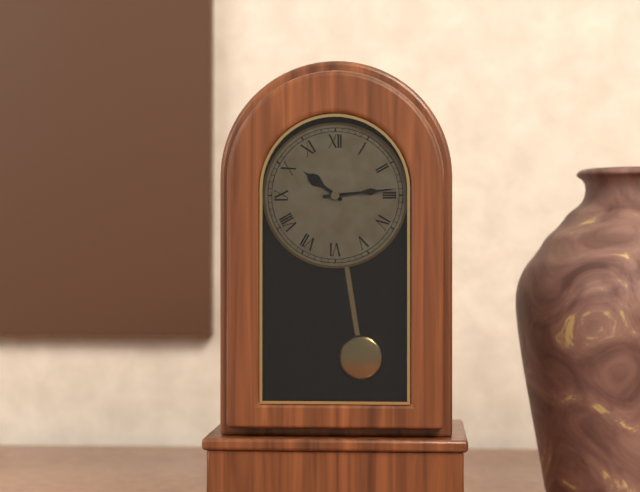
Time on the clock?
10:14
